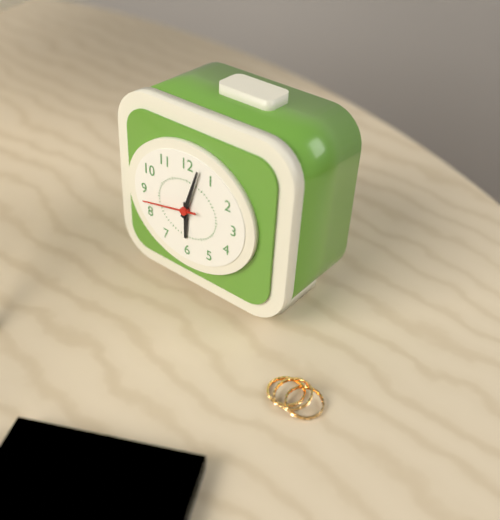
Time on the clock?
6:03:43
